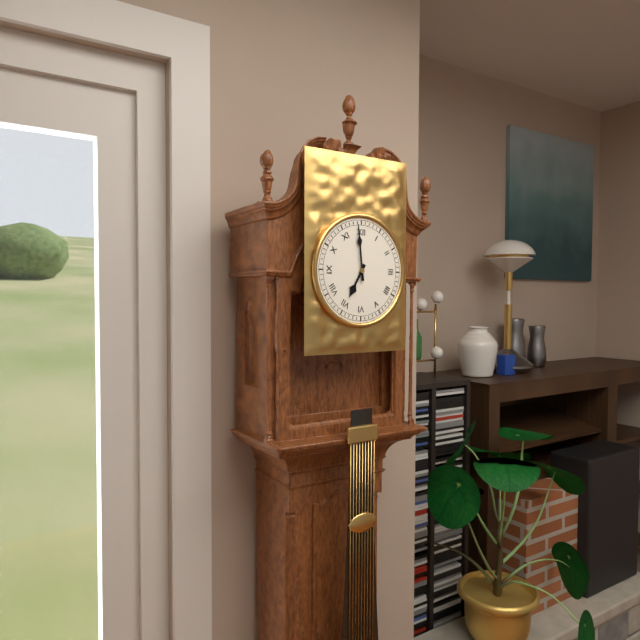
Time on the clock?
6:59
